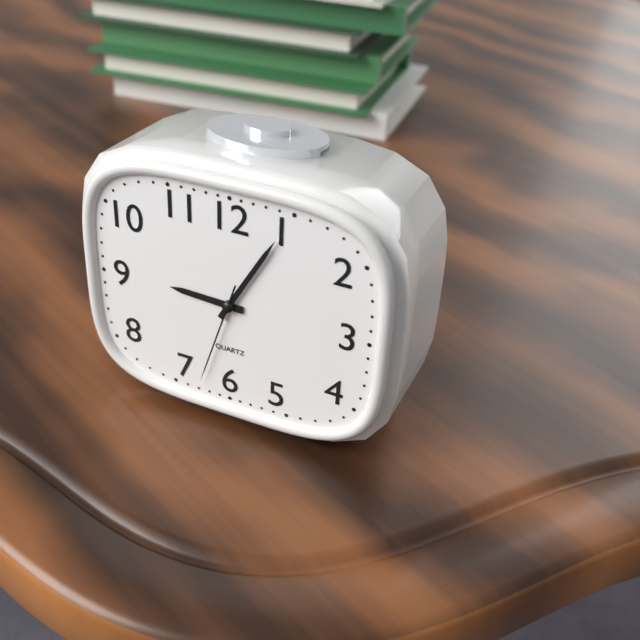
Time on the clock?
9:05:33
